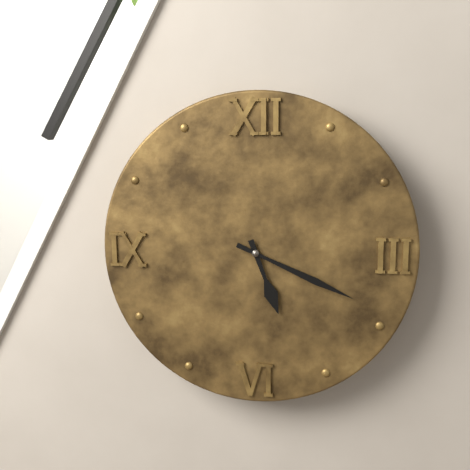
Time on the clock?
5:19
